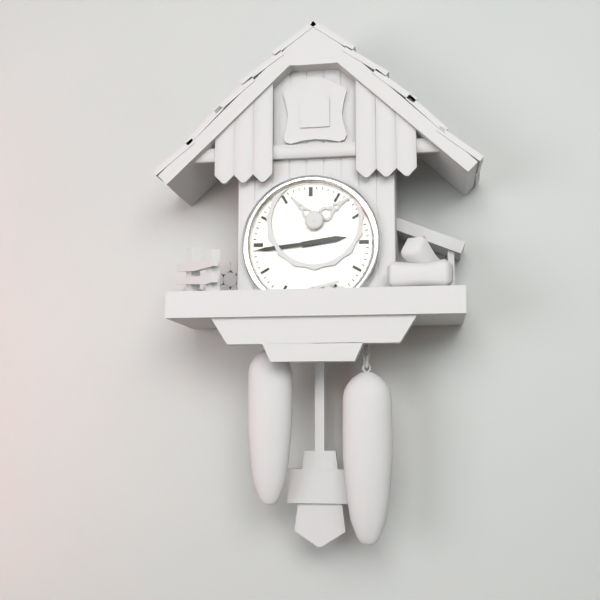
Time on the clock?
2:44
